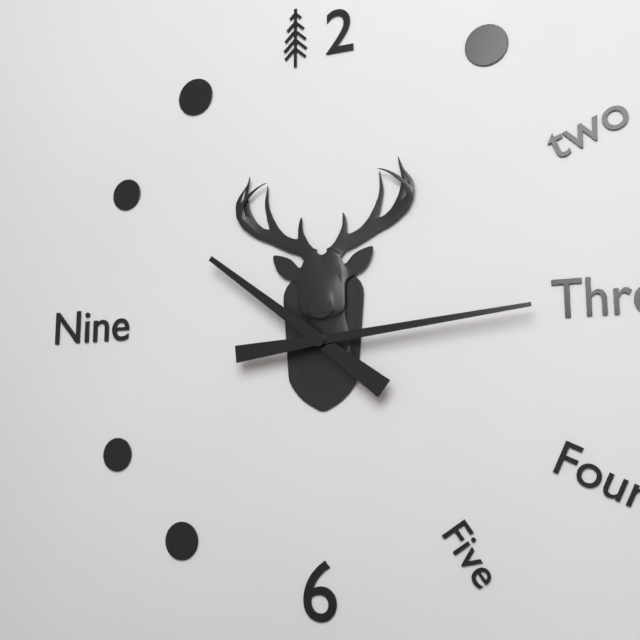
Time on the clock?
10:14
